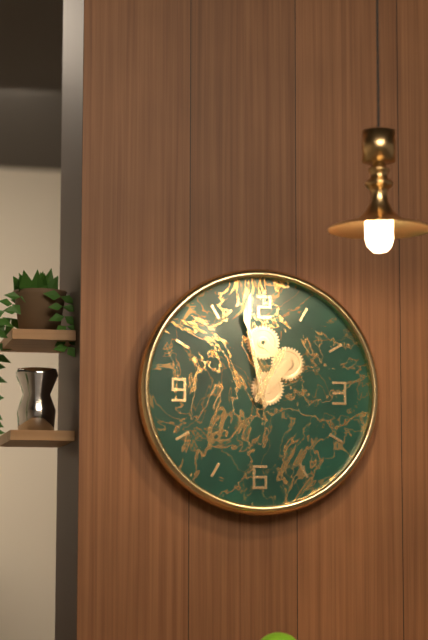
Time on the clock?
12:58
